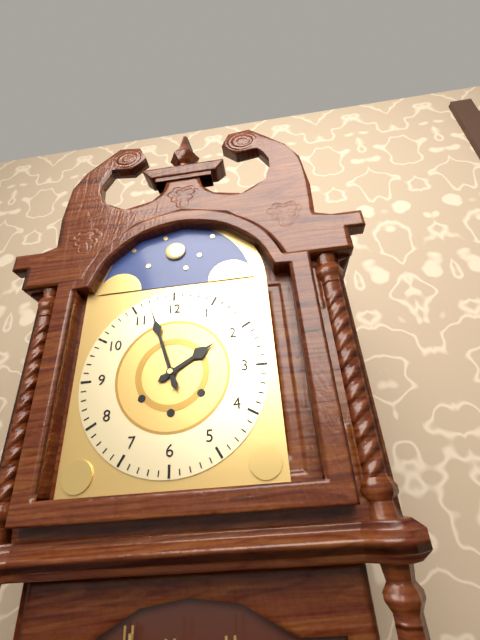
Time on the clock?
1:57
